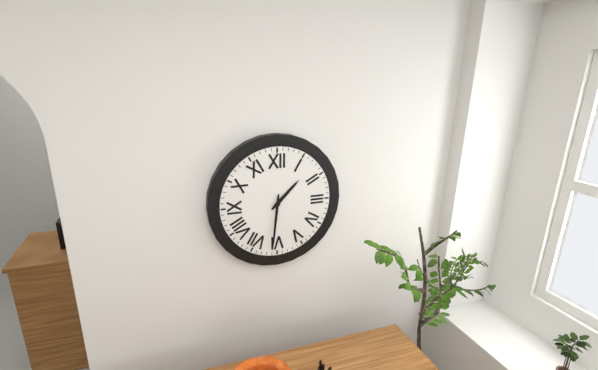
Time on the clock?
1:31
